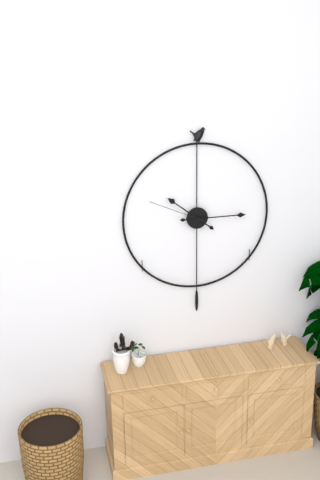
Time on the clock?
10:15:49
